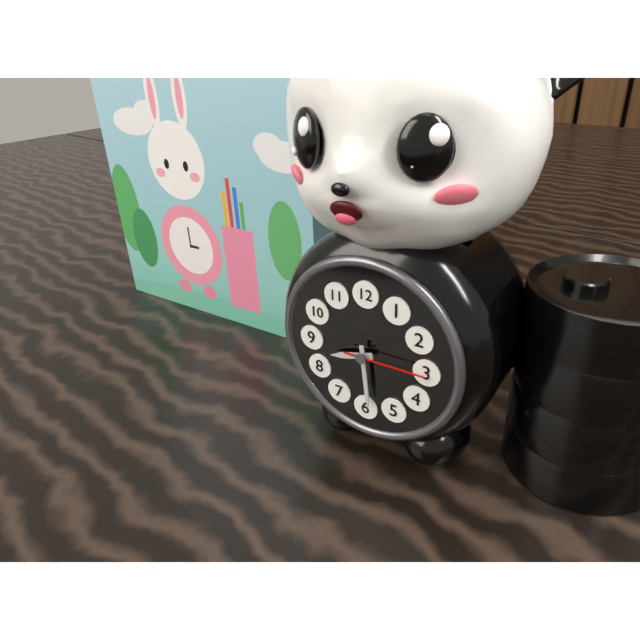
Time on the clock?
8:29:15
